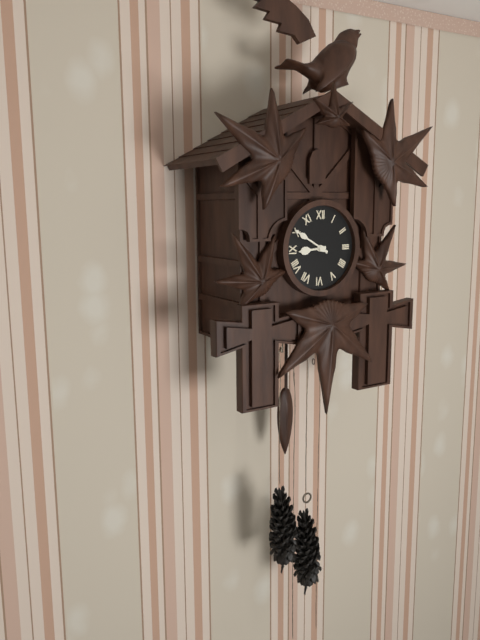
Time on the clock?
8:50
